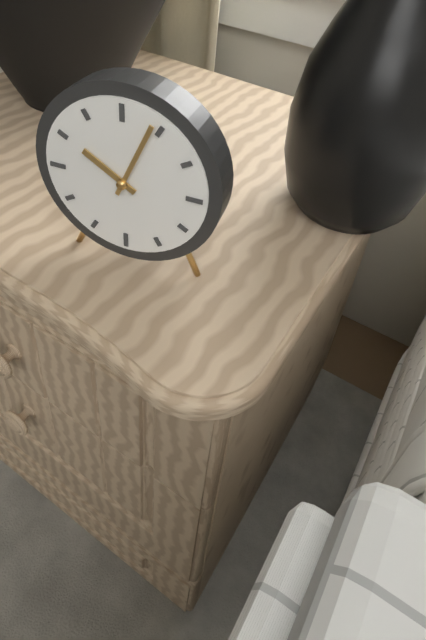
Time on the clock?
10:04
